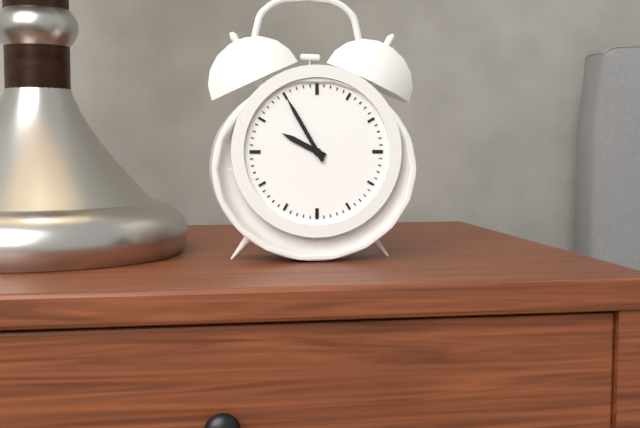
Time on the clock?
9:55
